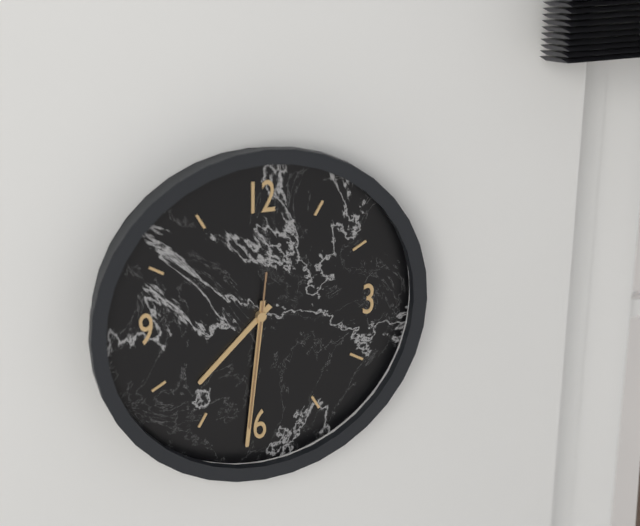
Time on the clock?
7:31:31
